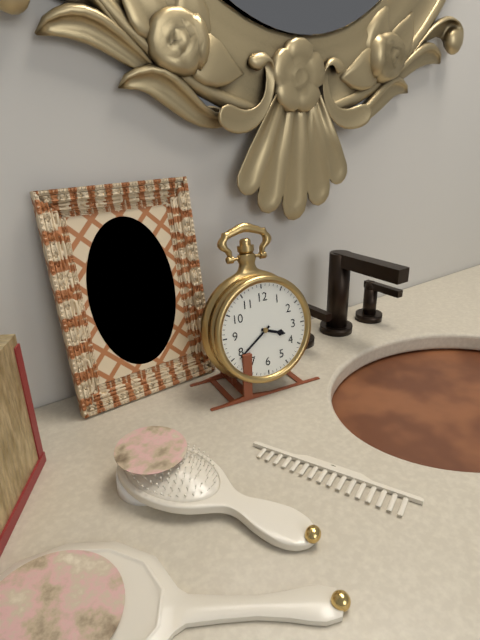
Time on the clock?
3:39
